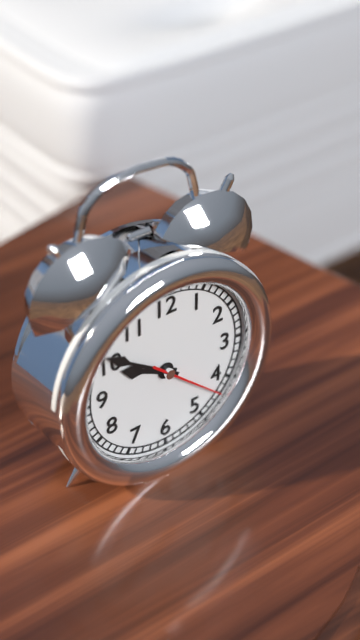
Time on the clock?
9:51:22
